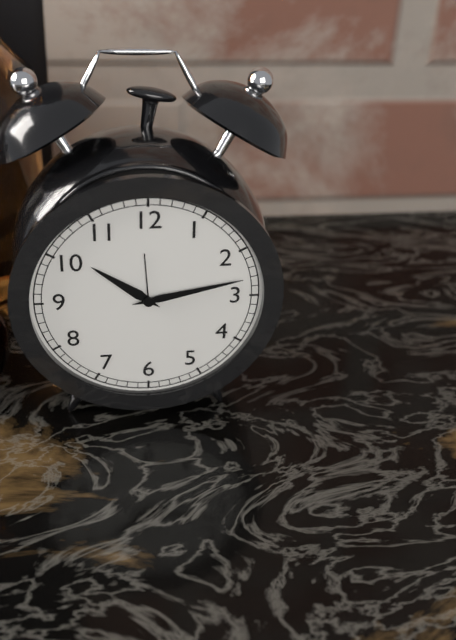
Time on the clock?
10:13
